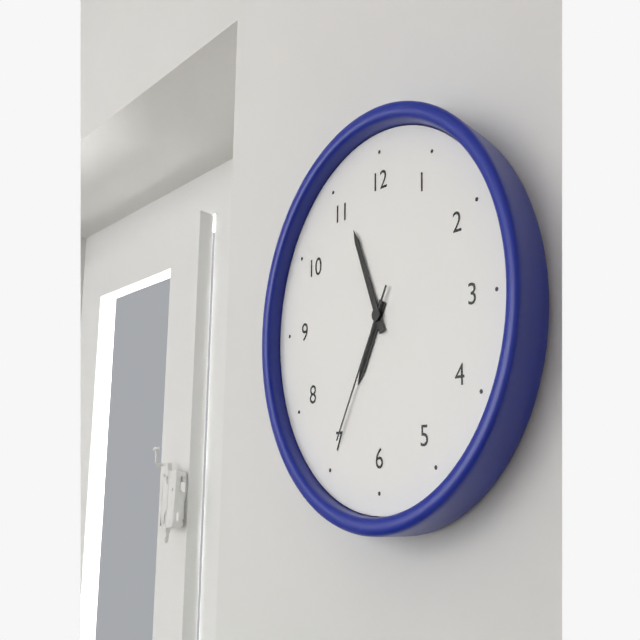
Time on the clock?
6:56:35
